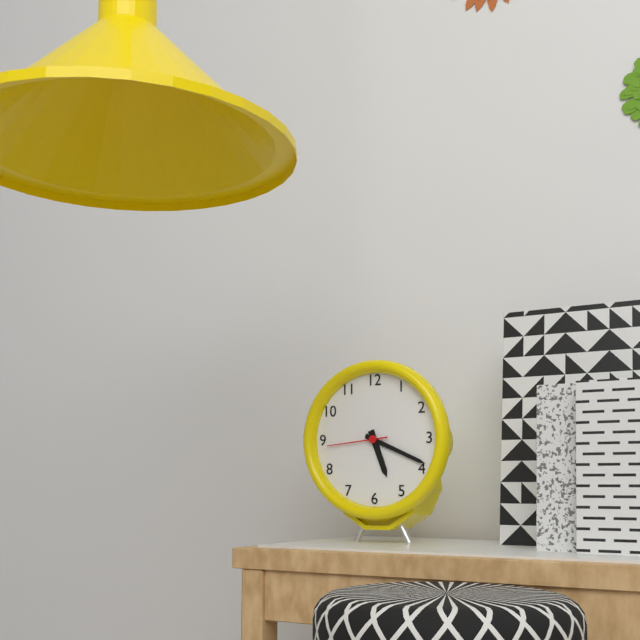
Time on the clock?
5:19:44
